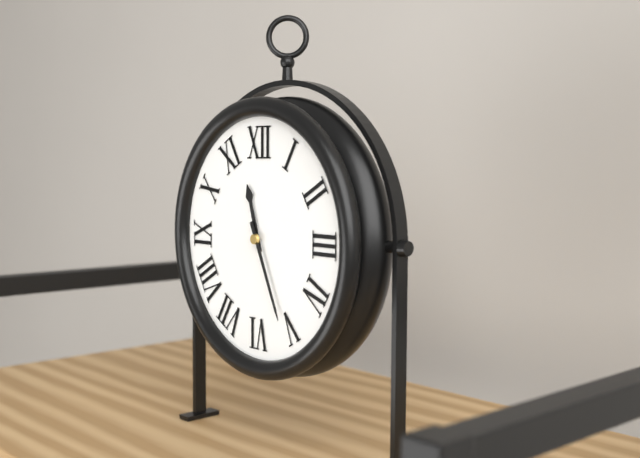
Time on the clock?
11:26
